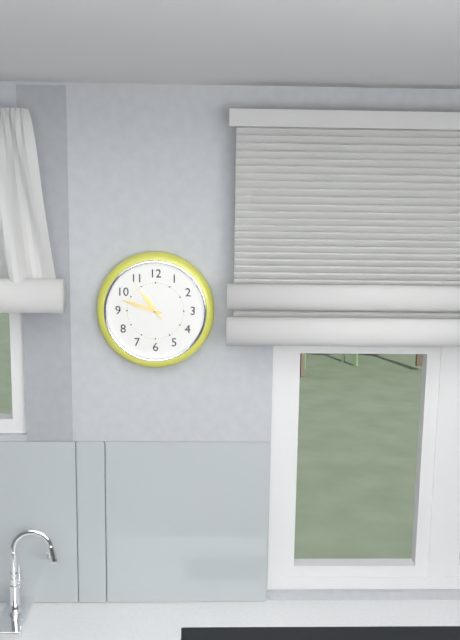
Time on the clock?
10:48
